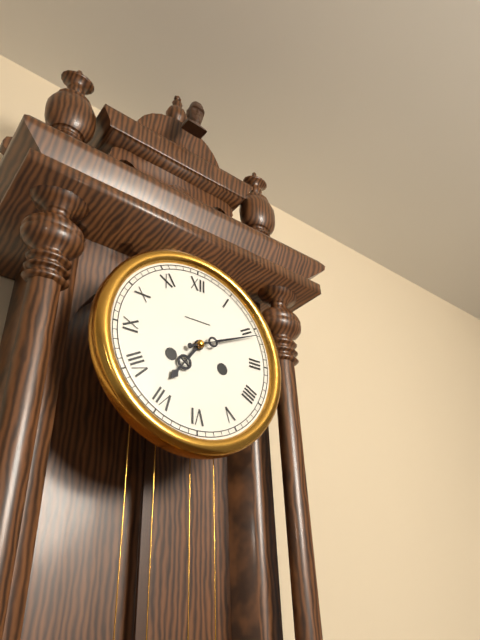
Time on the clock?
7:11
